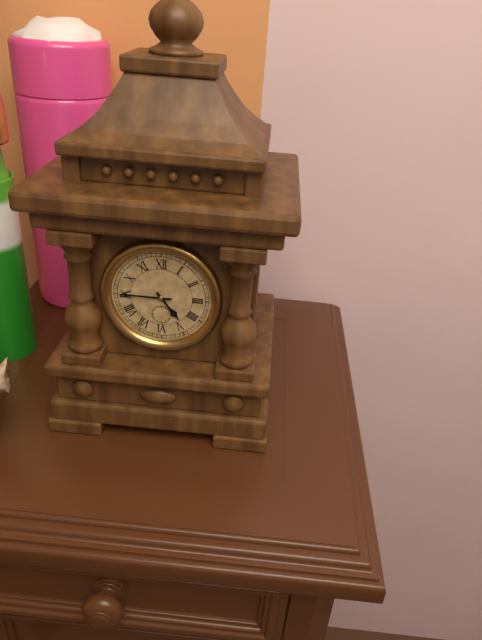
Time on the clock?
4:45
